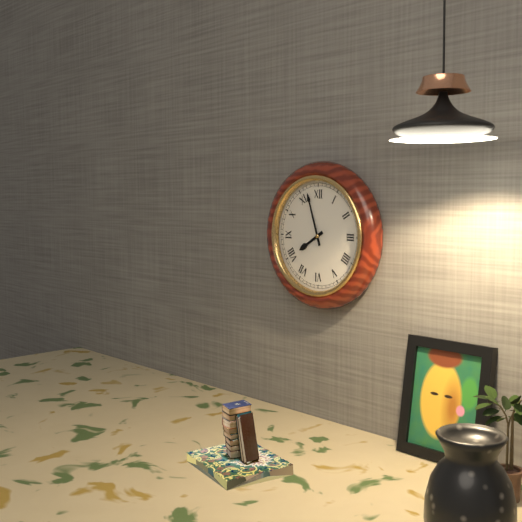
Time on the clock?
7:57
